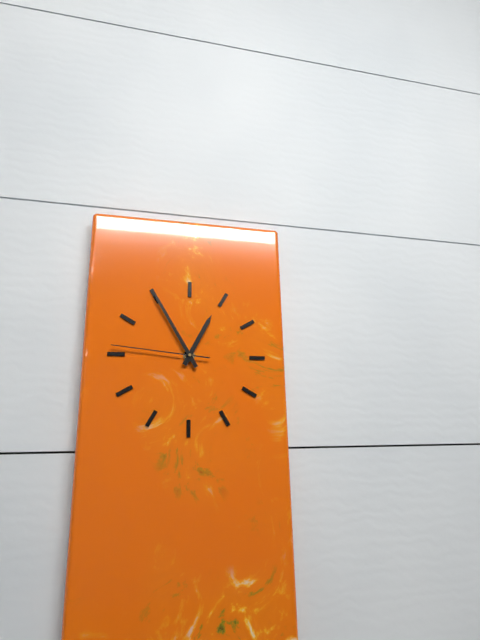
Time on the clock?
12:55:46
